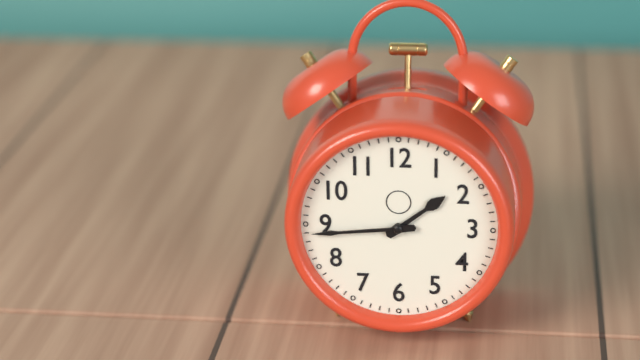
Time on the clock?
1:44
